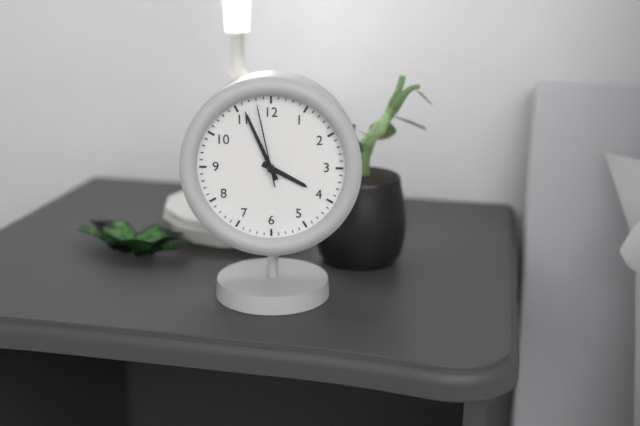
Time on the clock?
3:56:58
